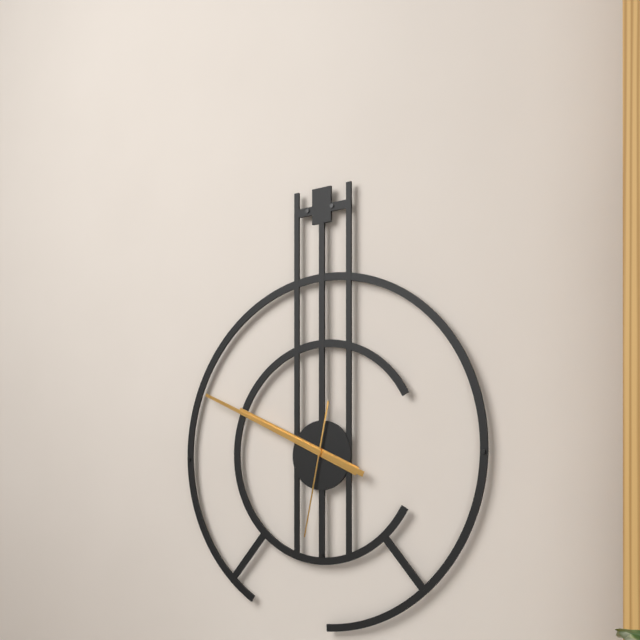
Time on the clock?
9:49:32
